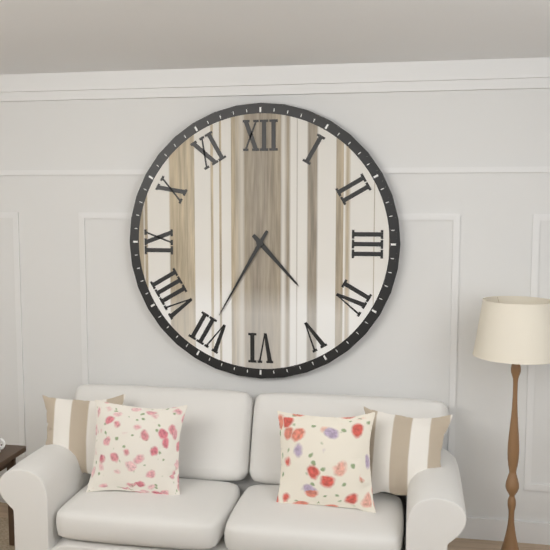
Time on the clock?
4:35
